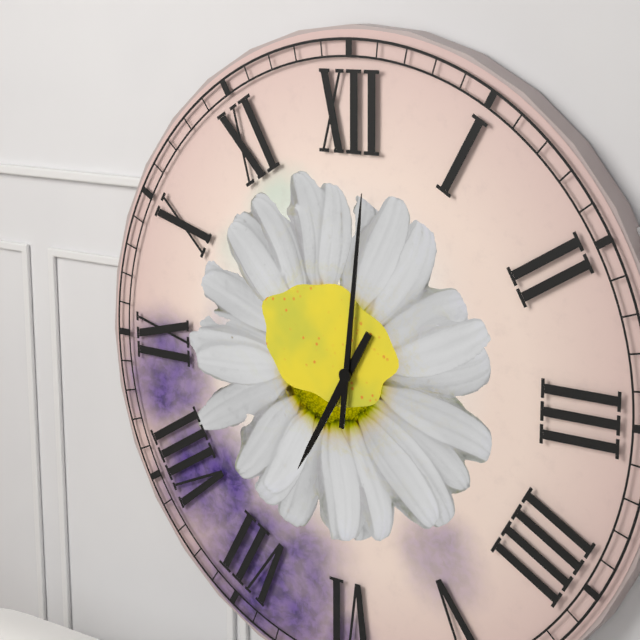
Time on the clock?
7:01
